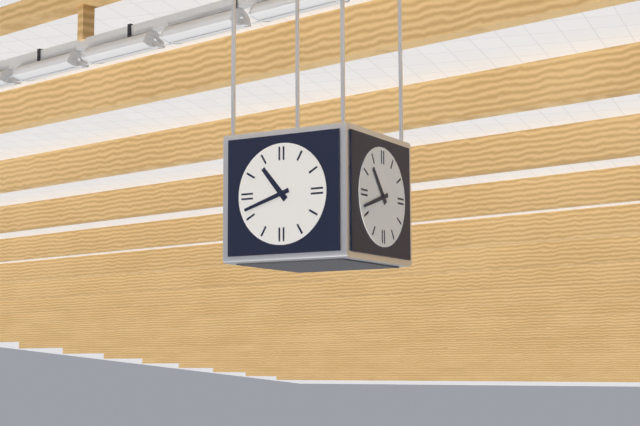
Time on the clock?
10:42
